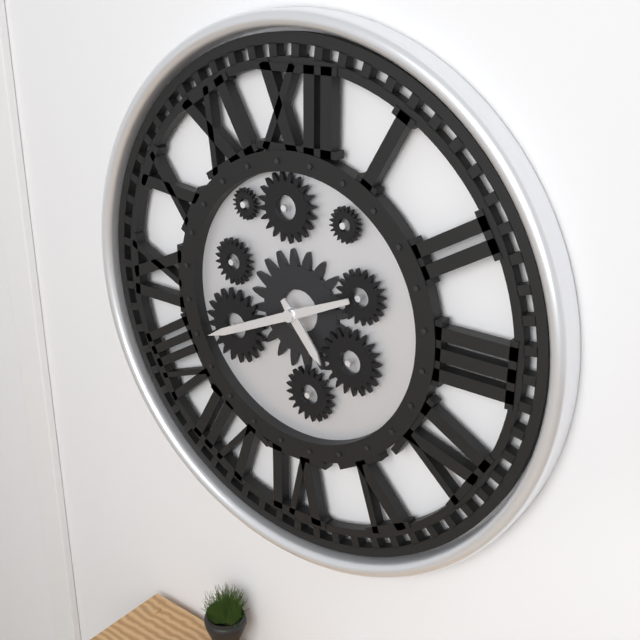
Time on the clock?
4:41
